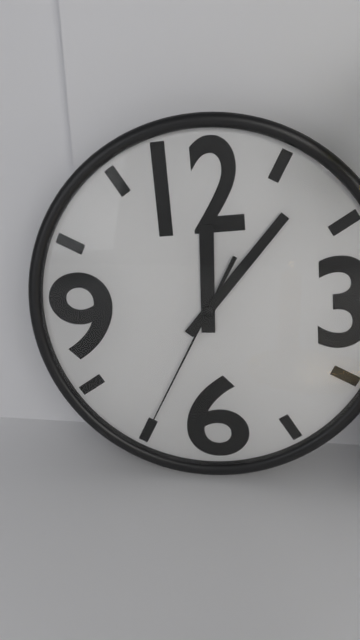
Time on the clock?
12:07:35
